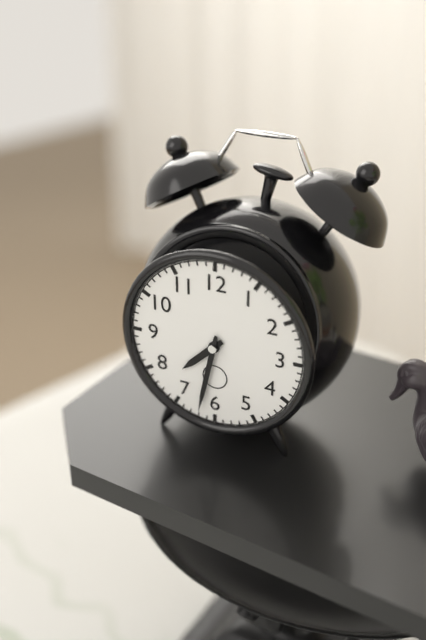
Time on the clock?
7:32
